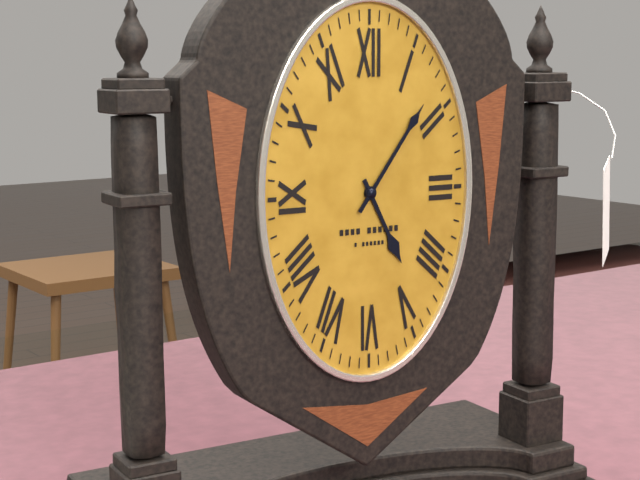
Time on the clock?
5:06
